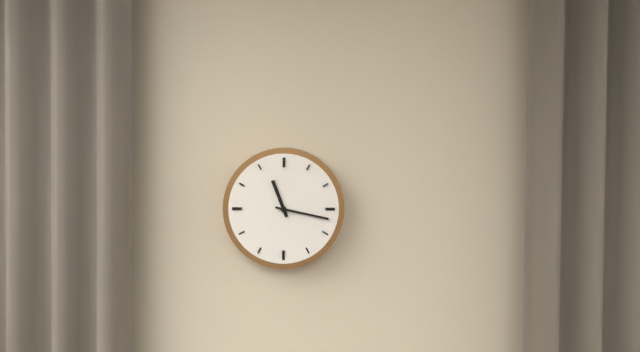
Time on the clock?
11:17
